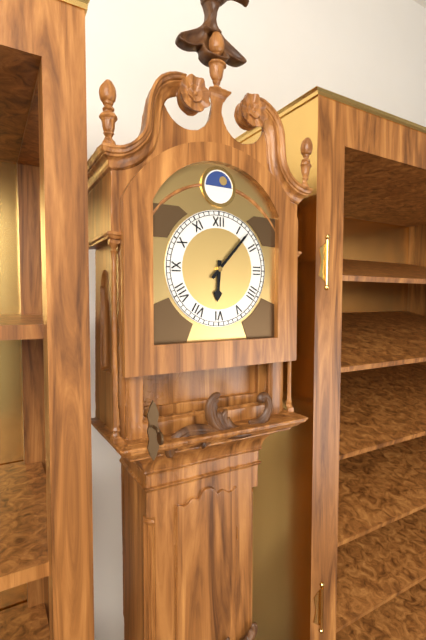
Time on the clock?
6:07
